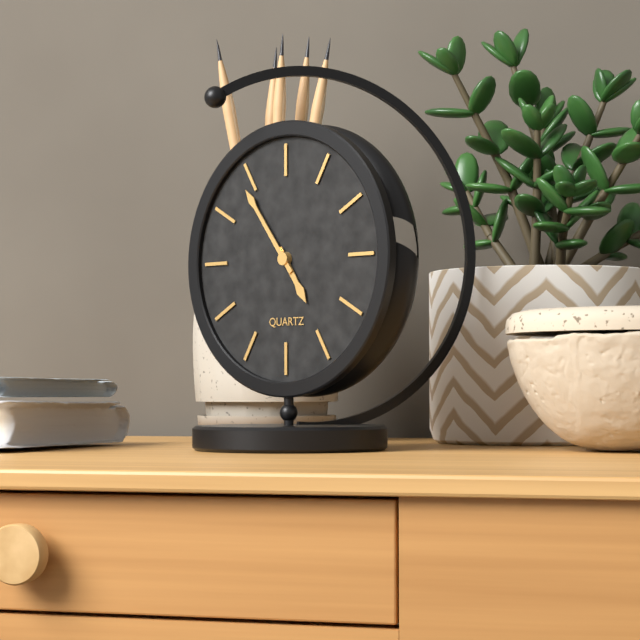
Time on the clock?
4:54
